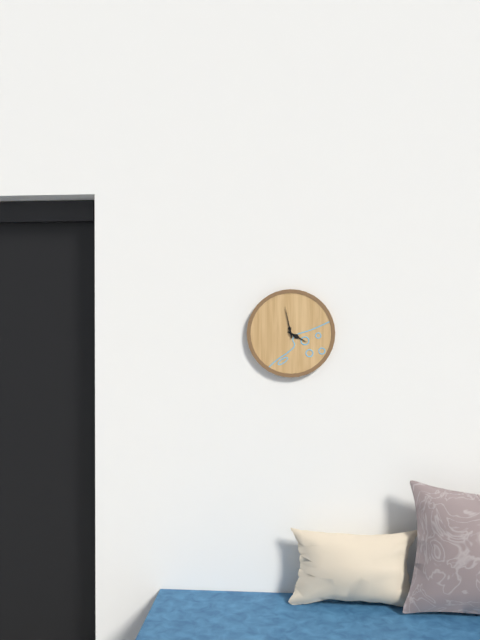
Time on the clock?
3:58
